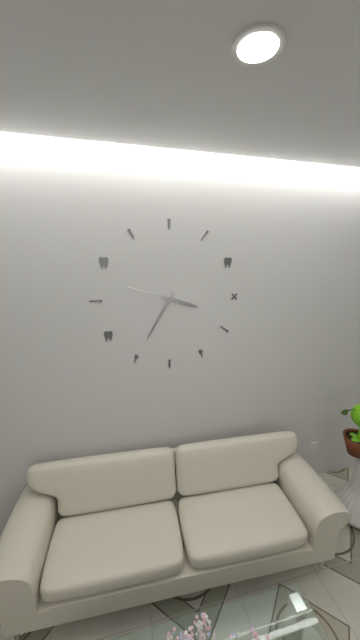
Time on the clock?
3:35:48
